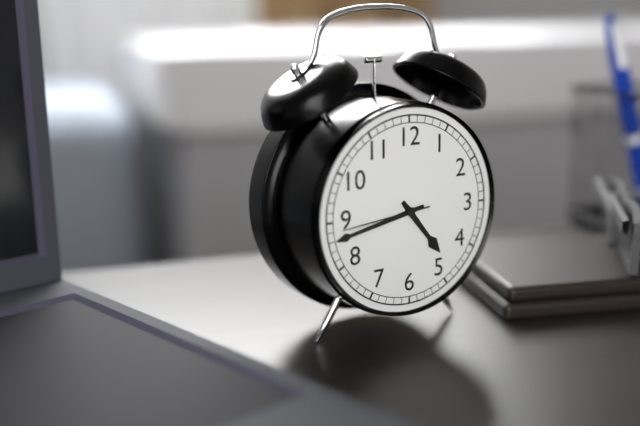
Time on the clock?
4:43:44
